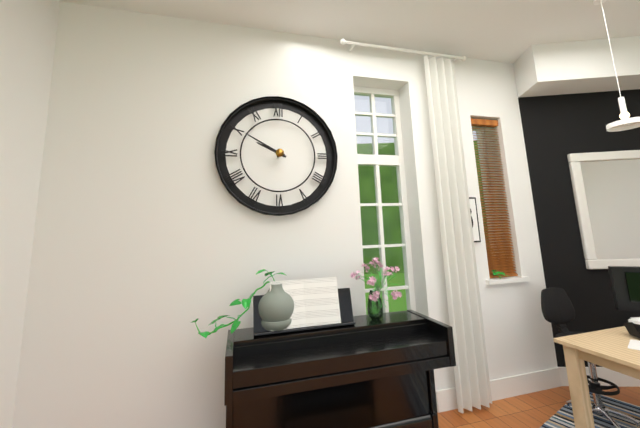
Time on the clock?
9:50
